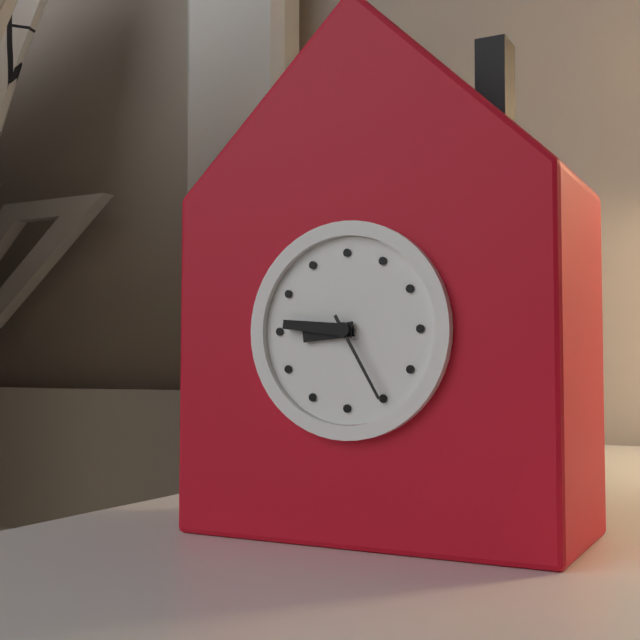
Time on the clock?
8:46:25
